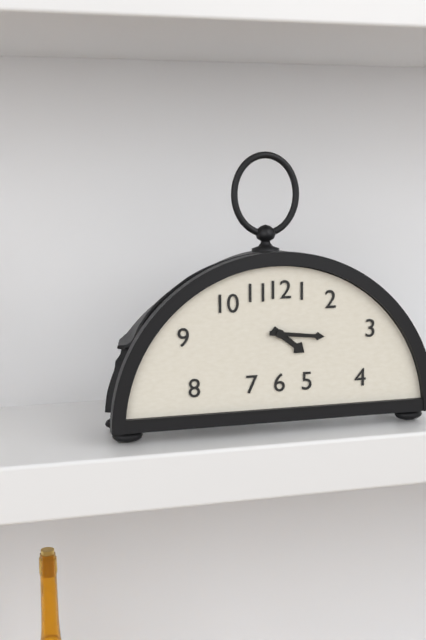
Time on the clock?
4:16
